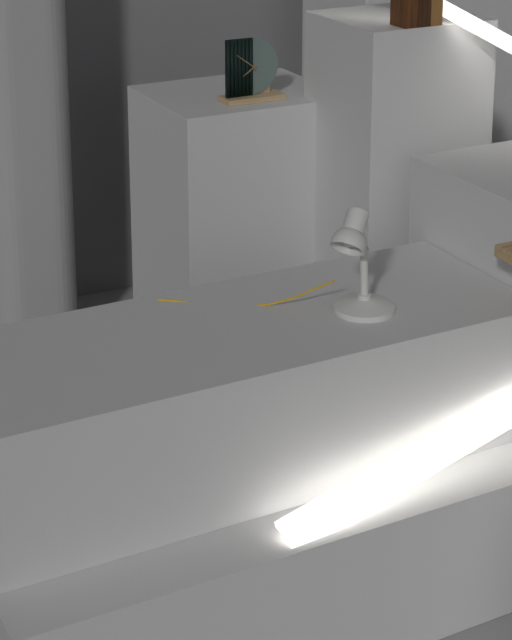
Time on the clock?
7:51
